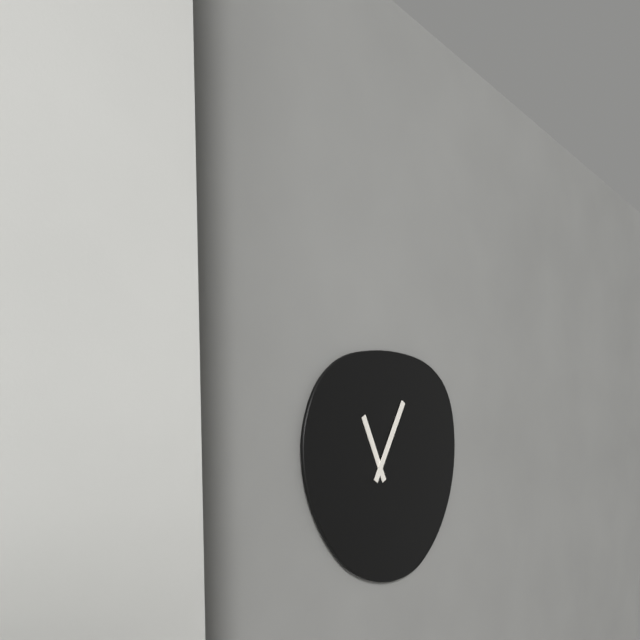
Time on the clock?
11:05
